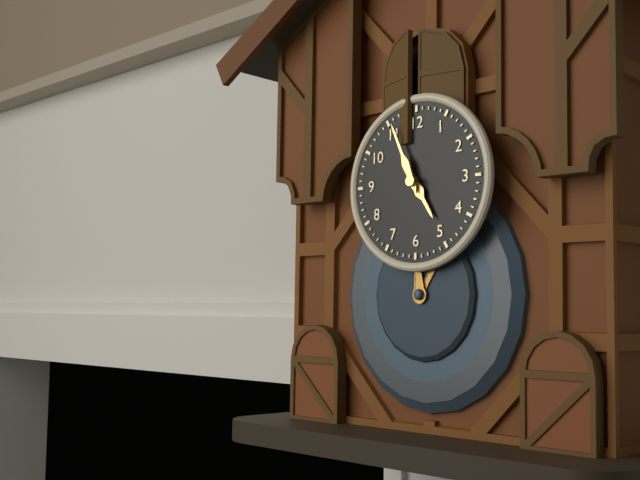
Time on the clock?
4:56
